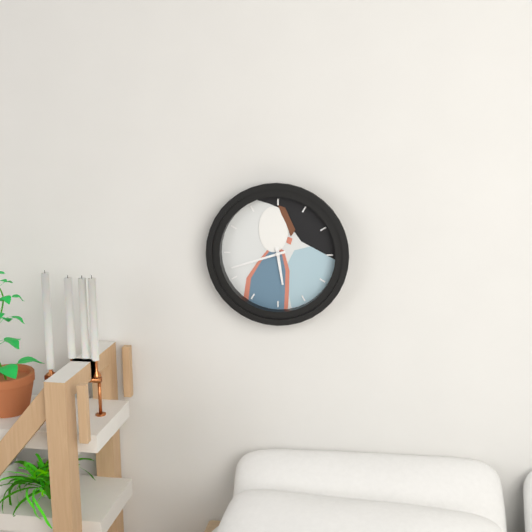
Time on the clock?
5:42
